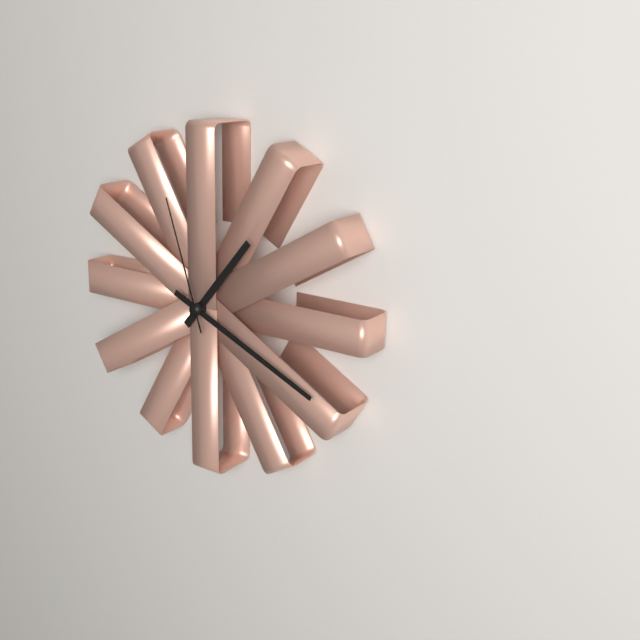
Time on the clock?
1:19:57
